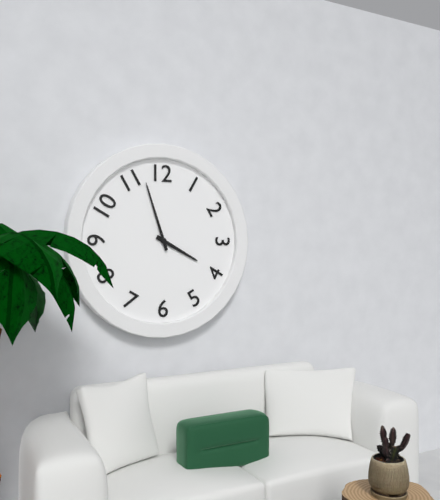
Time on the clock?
3:57
